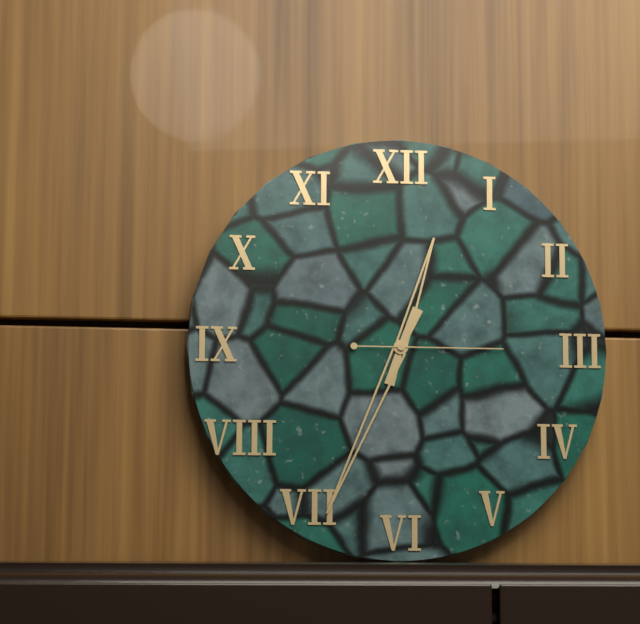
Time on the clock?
12:34:15
